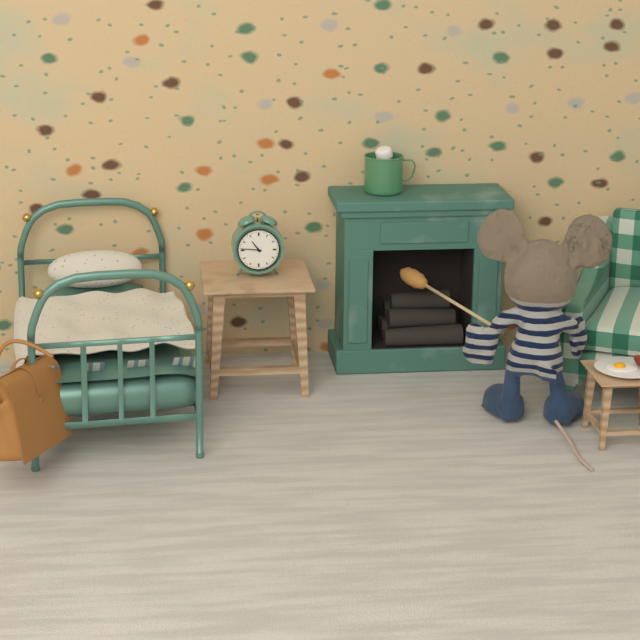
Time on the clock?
10:46
